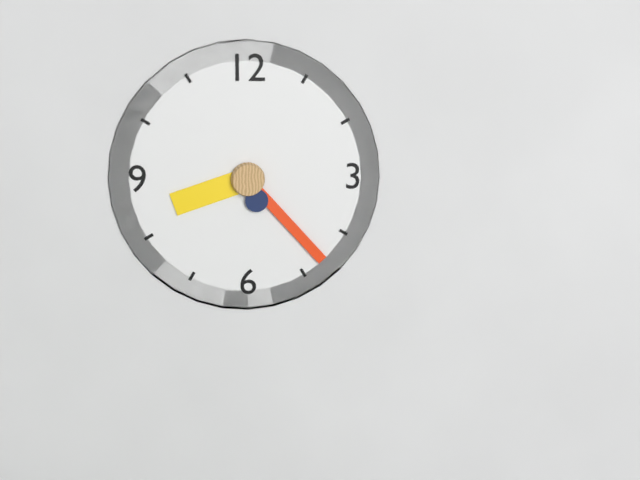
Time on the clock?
8:23
